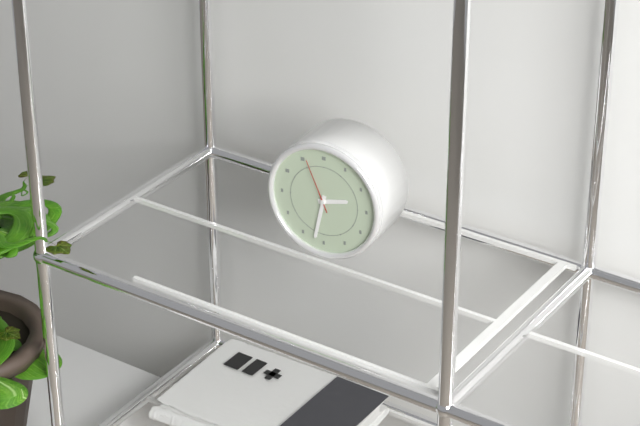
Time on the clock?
2:32:56
